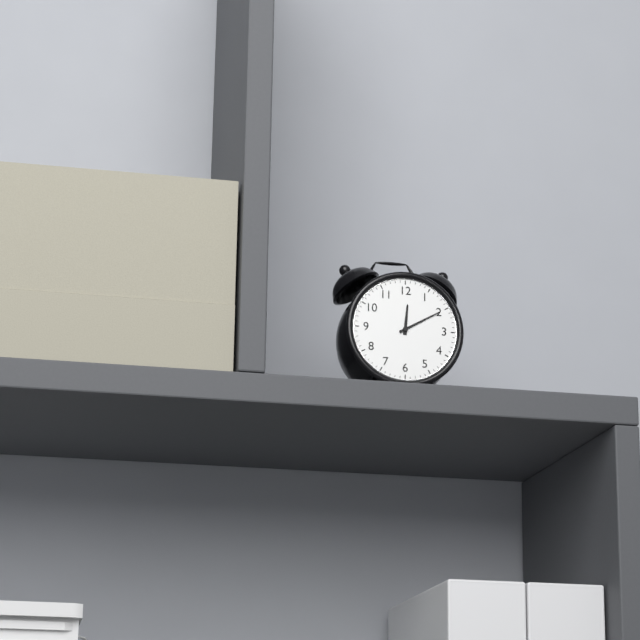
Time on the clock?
12:10
